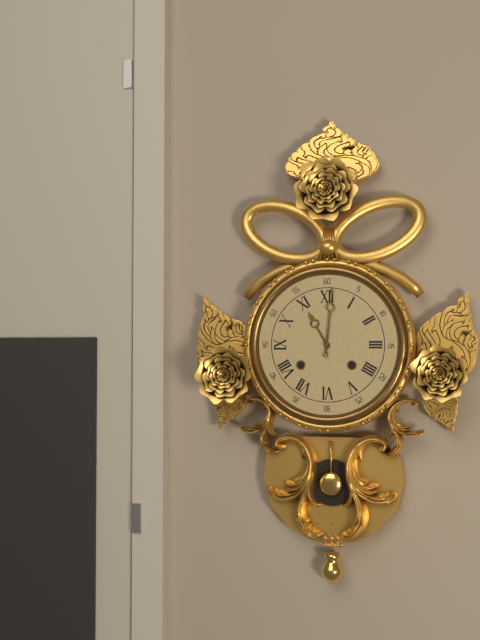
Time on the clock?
11:01
